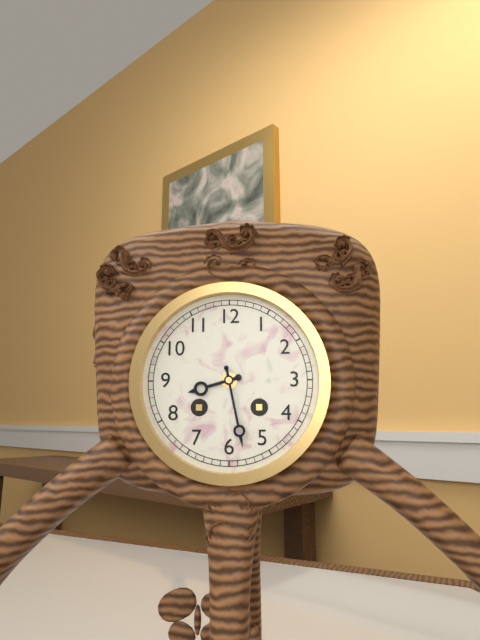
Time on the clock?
8:28
